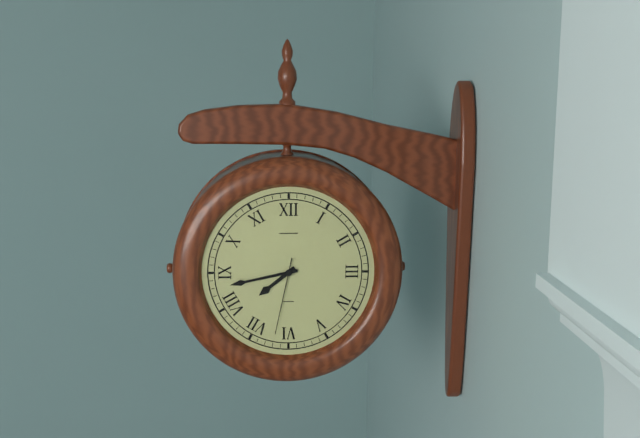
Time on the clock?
7:43:32
